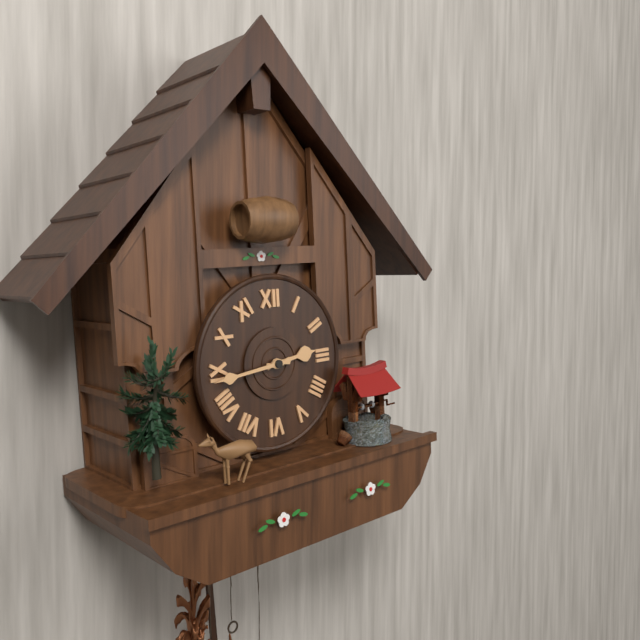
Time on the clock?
2:44
